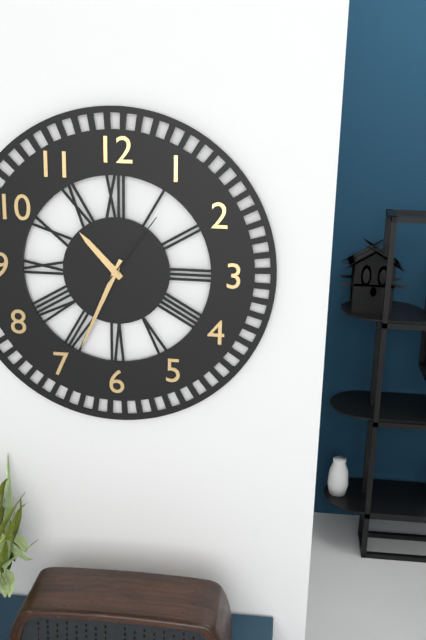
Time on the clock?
10:34:06
